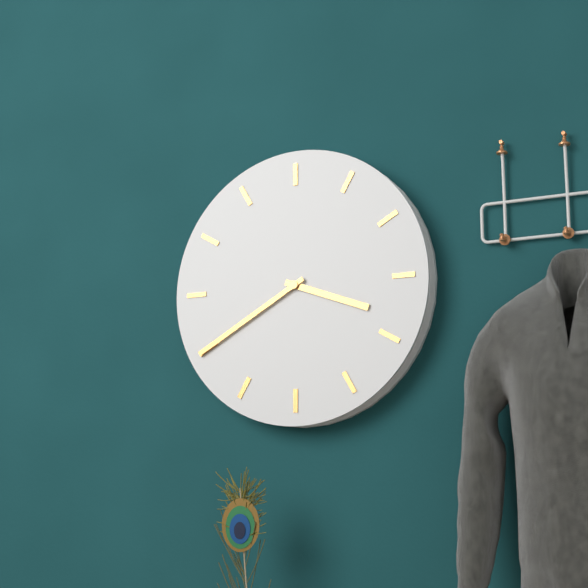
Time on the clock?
3:40
